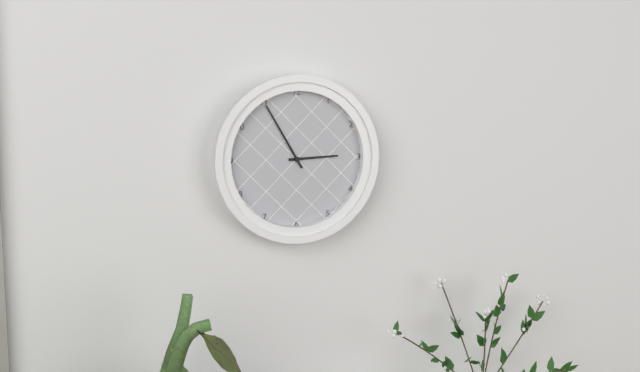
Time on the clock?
2:55
